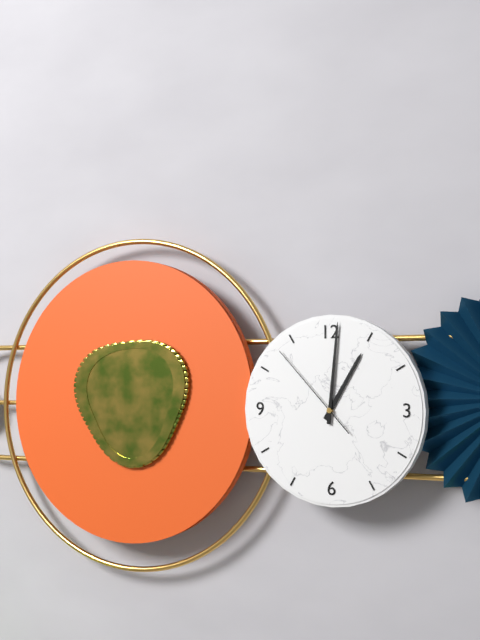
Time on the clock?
1:01:53
